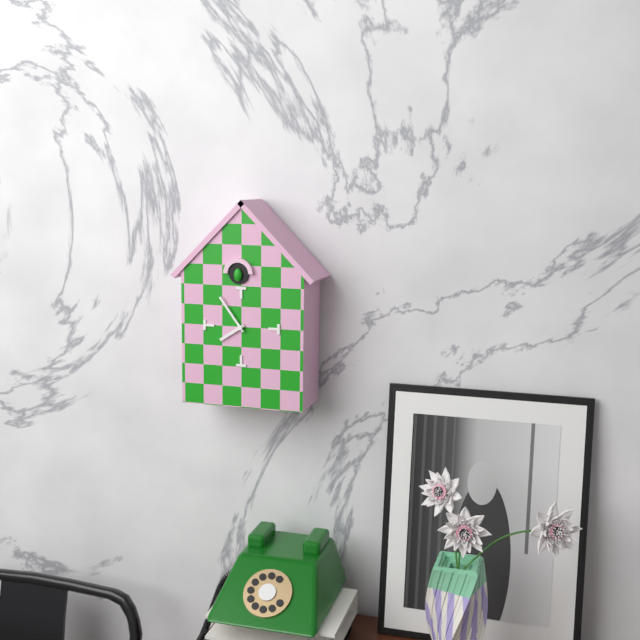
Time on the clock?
7:54
